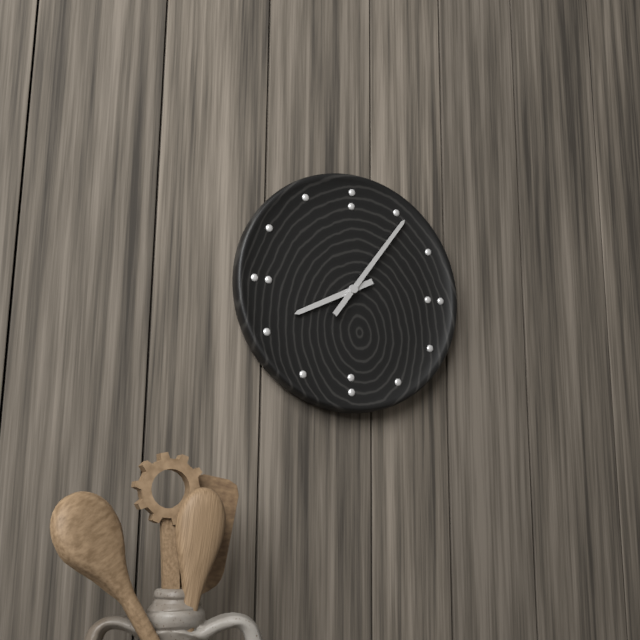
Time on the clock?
8:06
